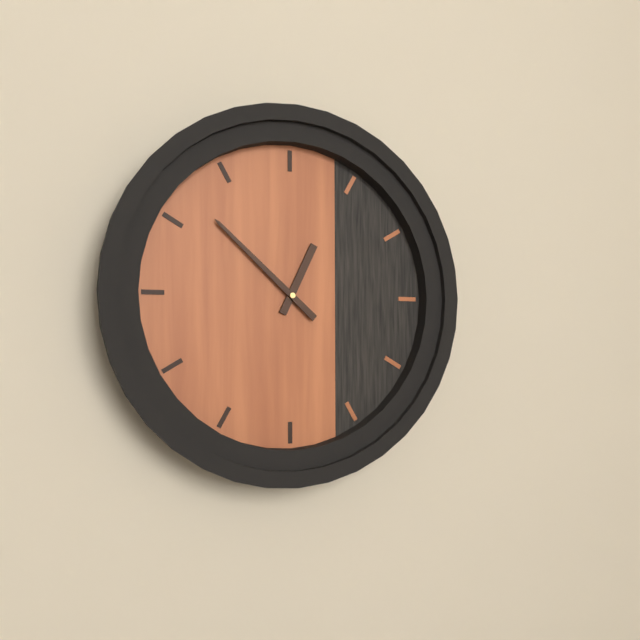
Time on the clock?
12:52
